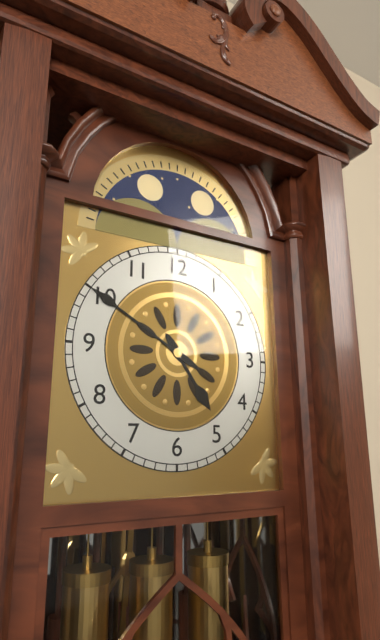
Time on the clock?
4:50
